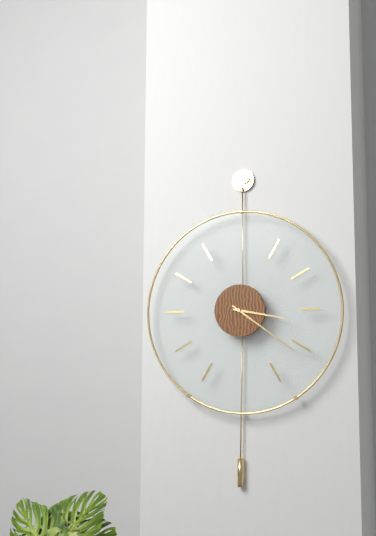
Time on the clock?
3:21
